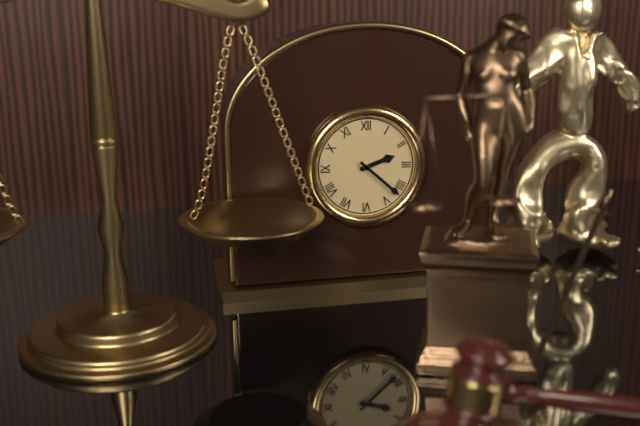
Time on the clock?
2:22
